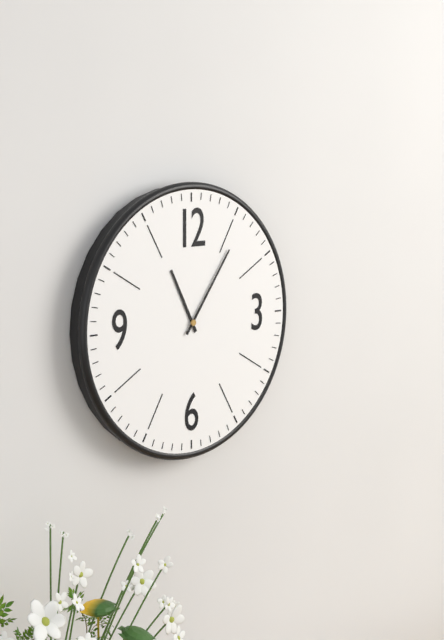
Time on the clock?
11:06
